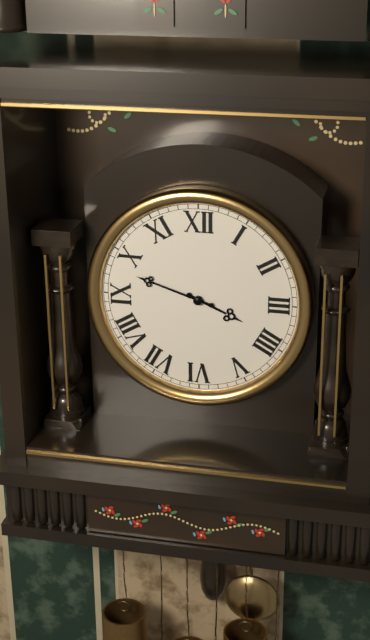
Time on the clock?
3:48
